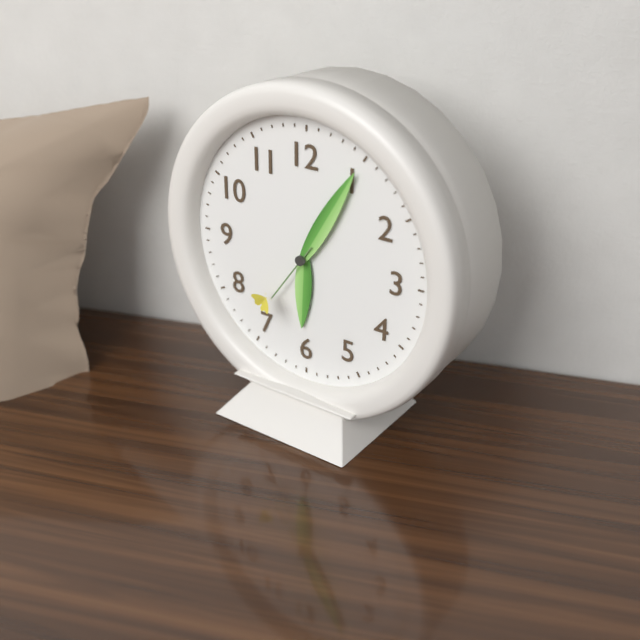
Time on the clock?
6:05:36
